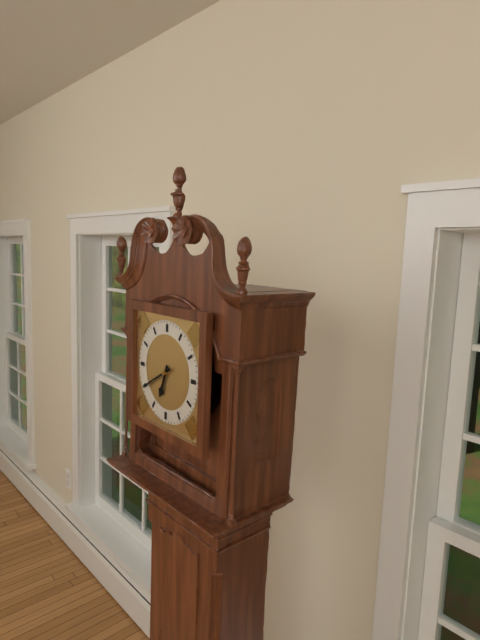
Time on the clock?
6:40
